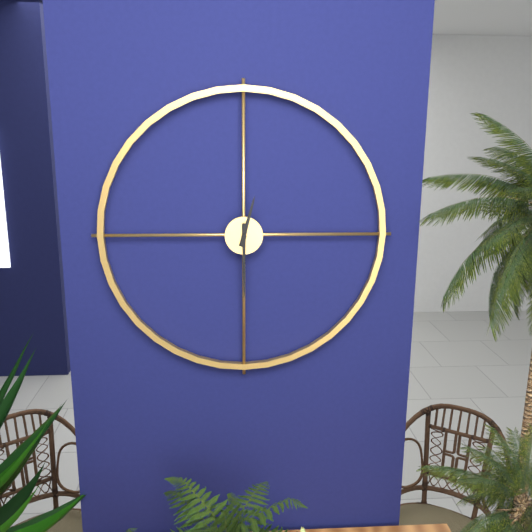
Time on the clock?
12:30
